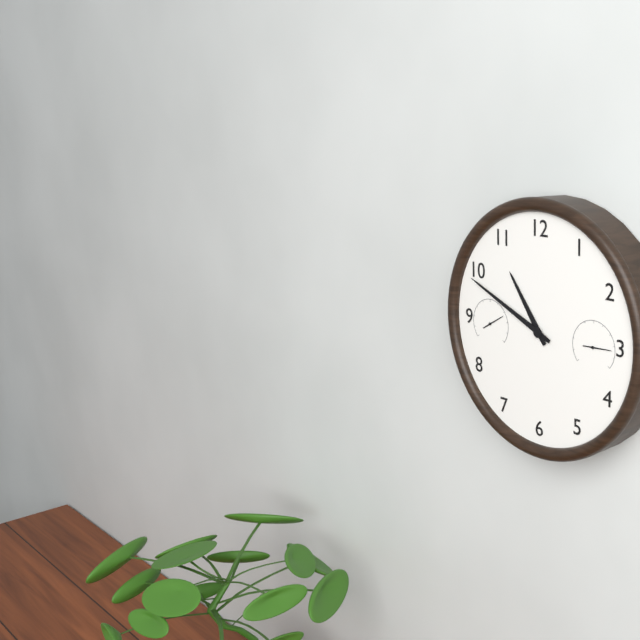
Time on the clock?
10:49
